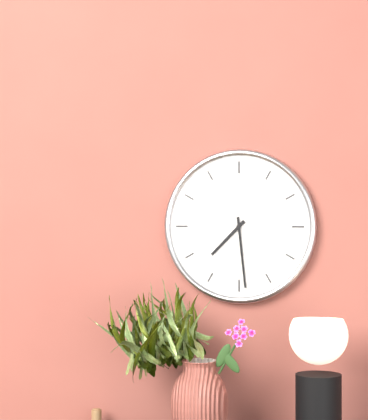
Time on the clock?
7:29
